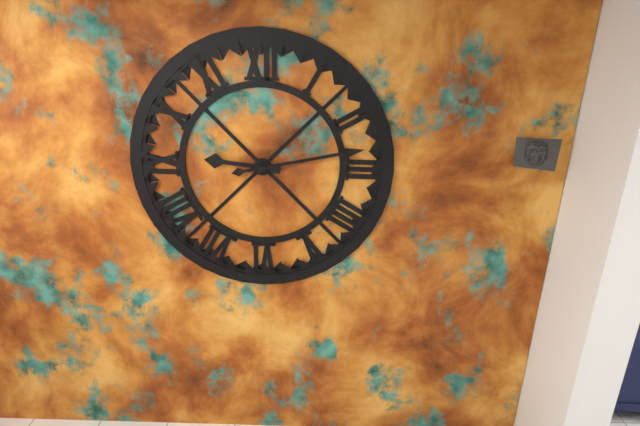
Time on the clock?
9:13
